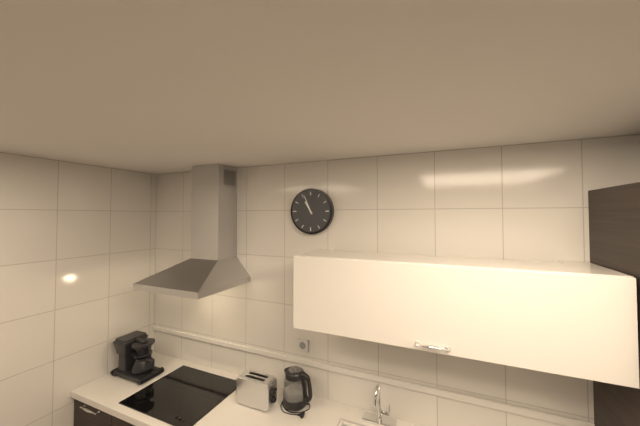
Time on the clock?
10:56
